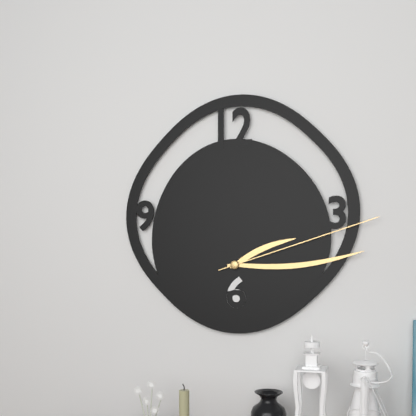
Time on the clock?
2:14:12
